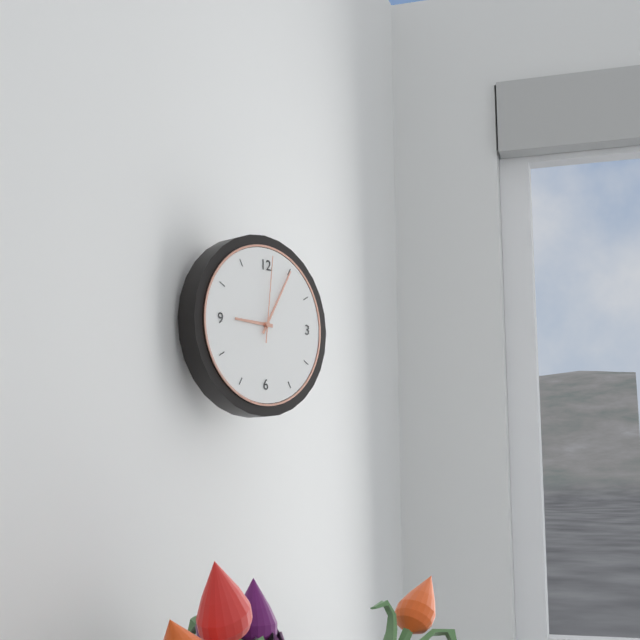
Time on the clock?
9:05:01
